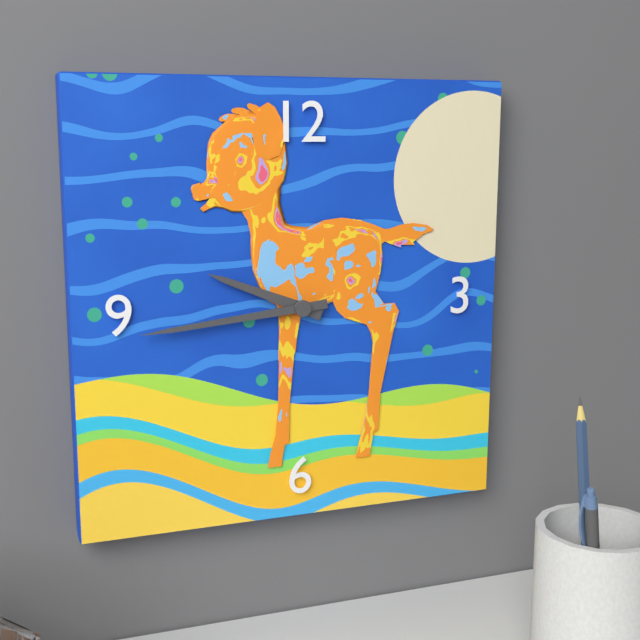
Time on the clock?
9:44
